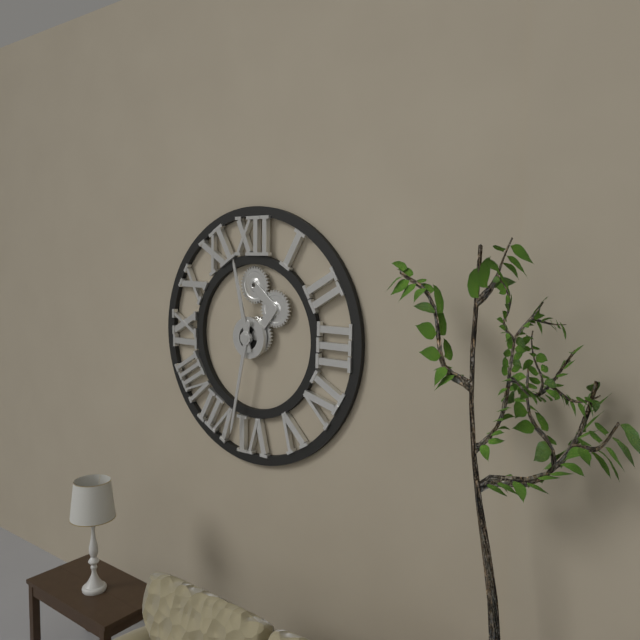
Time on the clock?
11:32
